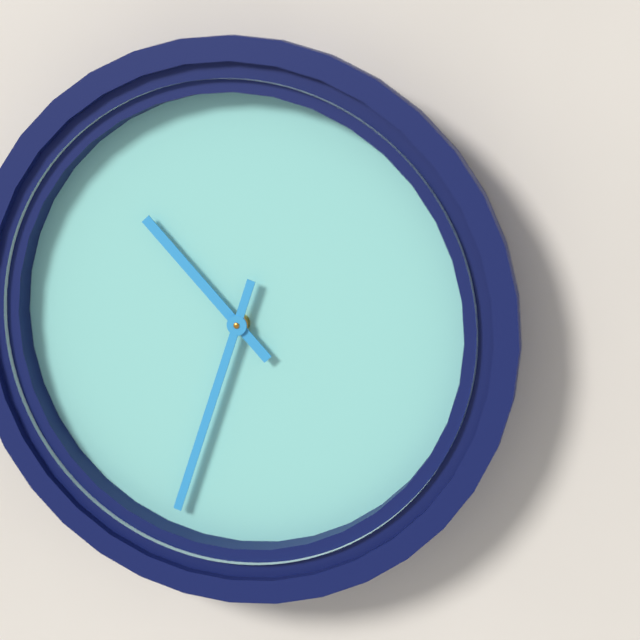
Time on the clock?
10:33
